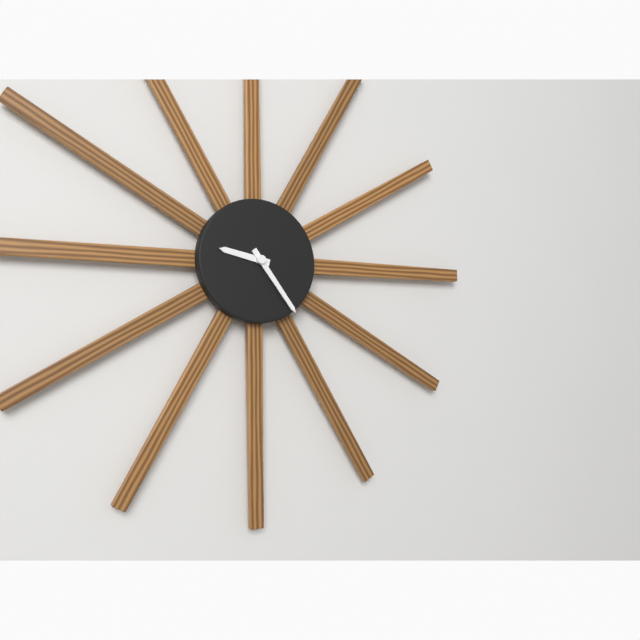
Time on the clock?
9:24
